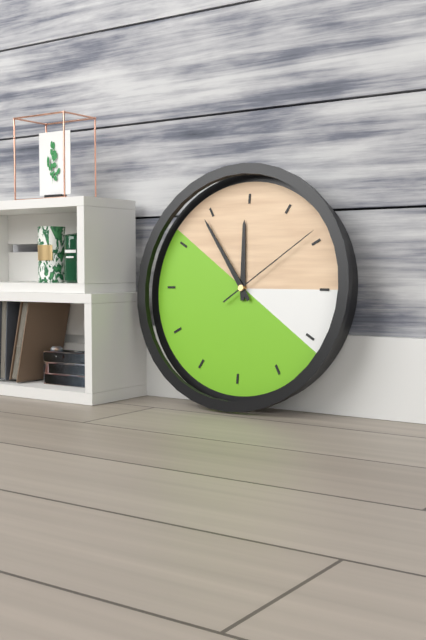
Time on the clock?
11:54:09
